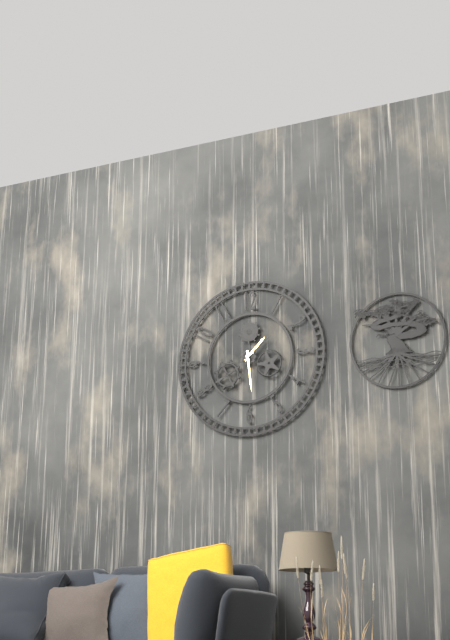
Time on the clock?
1:29
